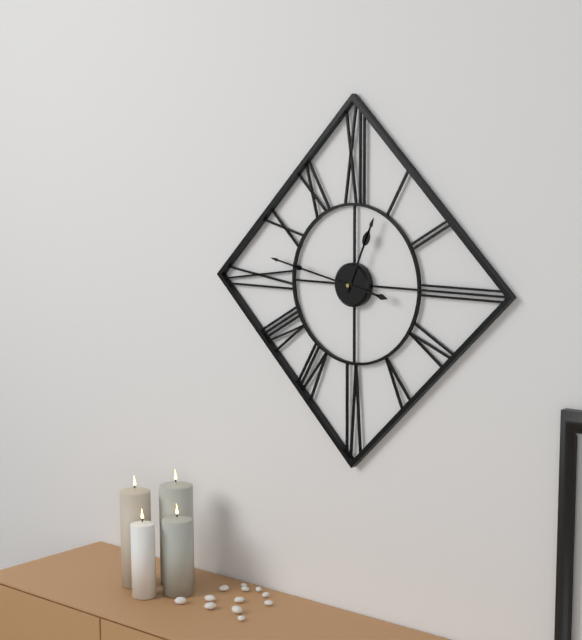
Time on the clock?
12:47
